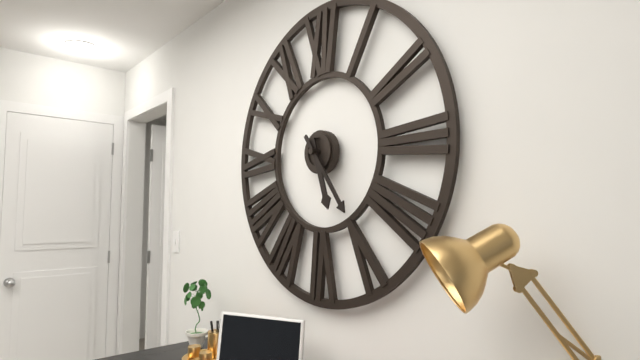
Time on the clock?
5:24
